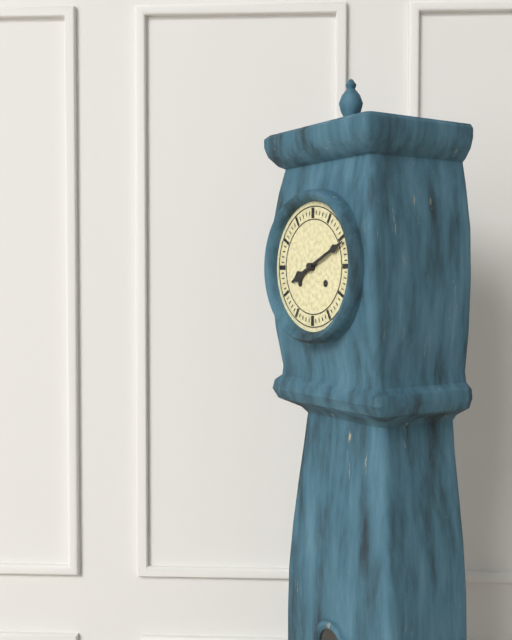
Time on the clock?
8:11
